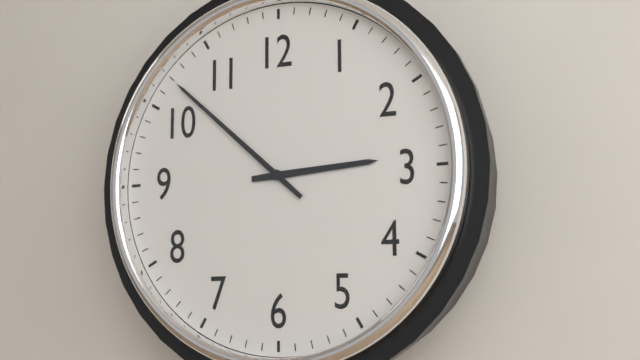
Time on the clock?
2:52
